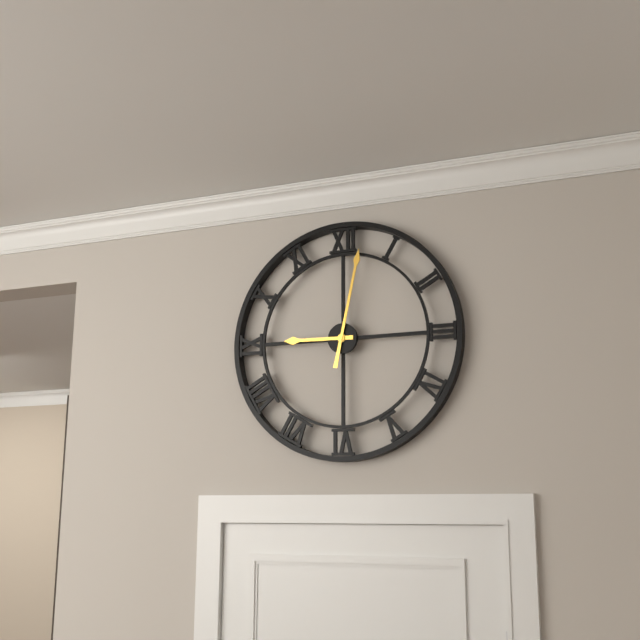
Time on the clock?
9:02
